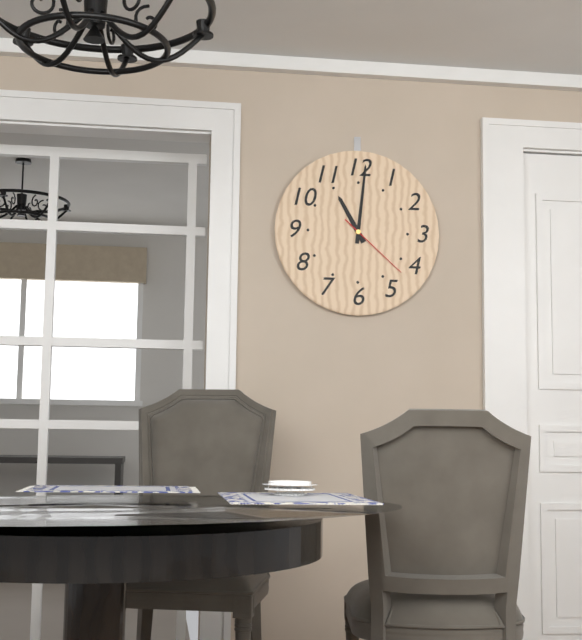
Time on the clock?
11:01:22
